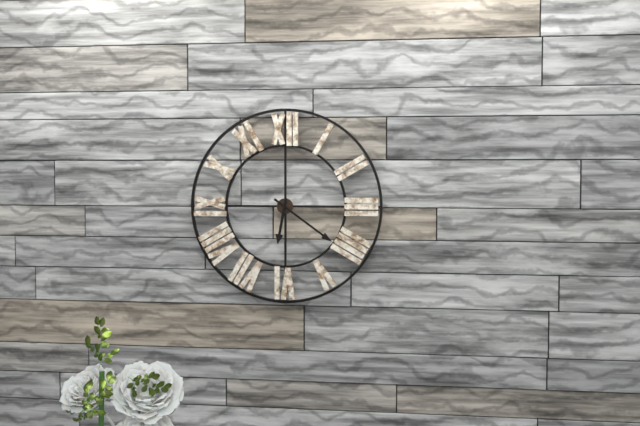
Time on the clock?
6:21
